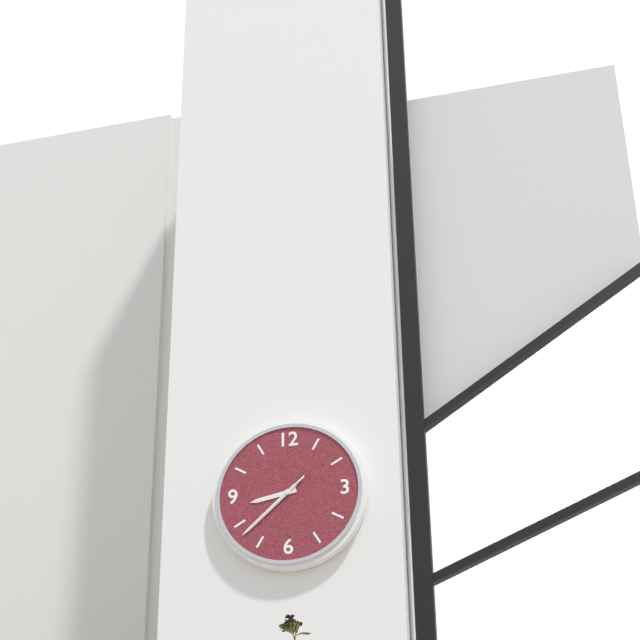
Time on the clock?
8:38:38
